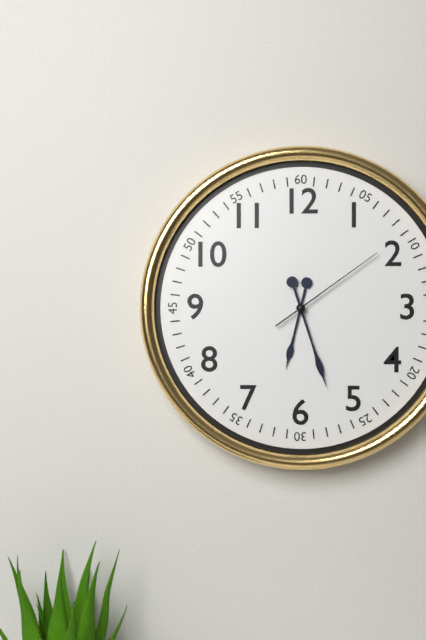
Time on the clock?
6:27:09
